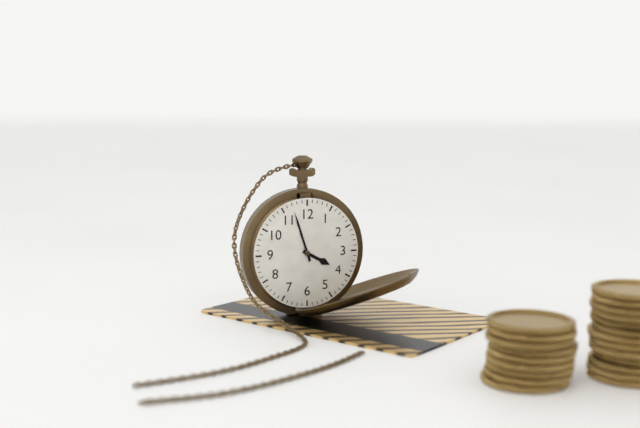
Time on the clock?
3:57
